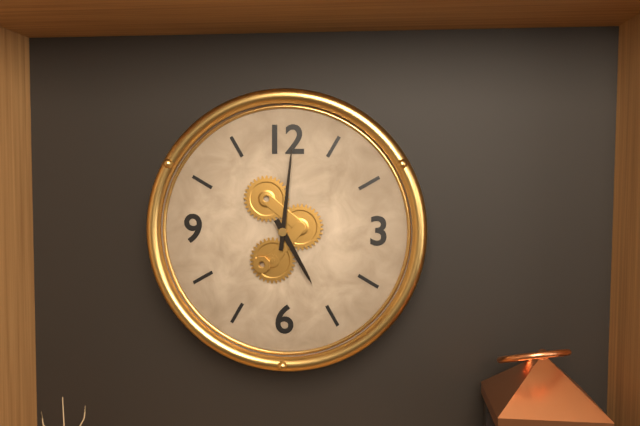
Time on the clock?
5:01
